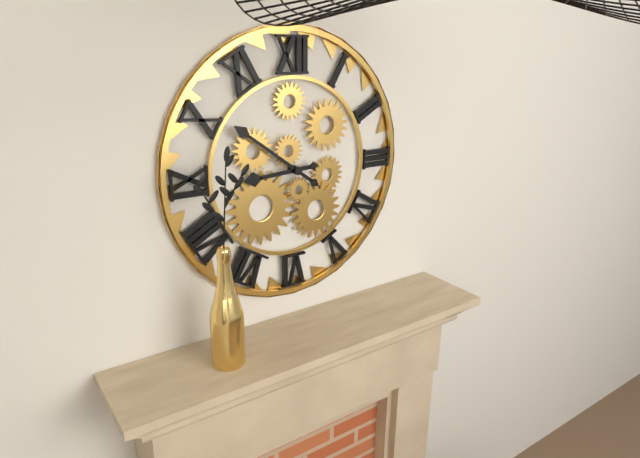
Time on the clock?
8:51
